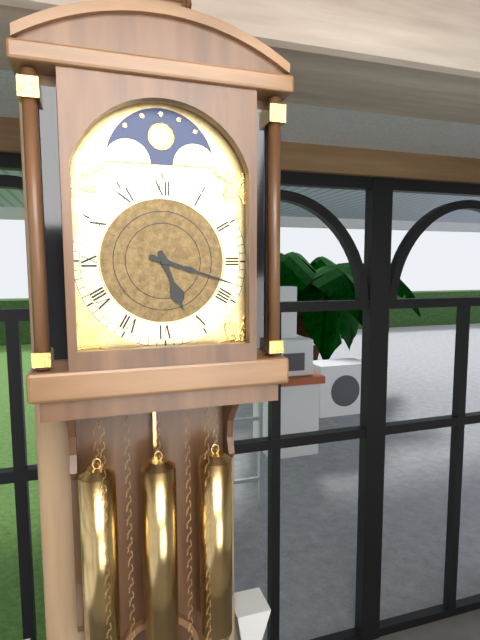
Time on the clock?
5:18
